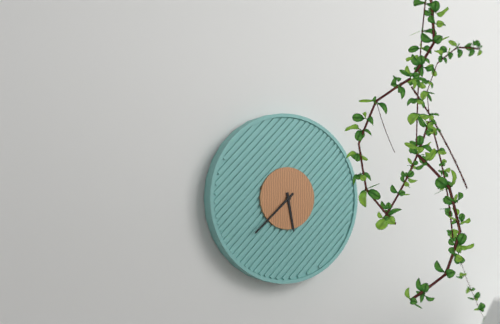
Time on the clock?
5:38
